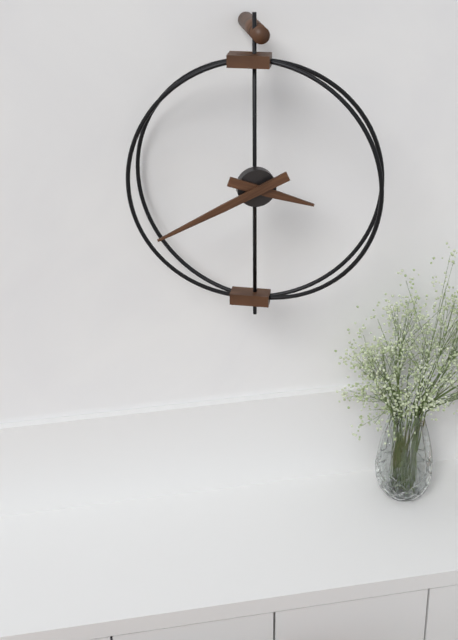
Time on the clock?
3:41
